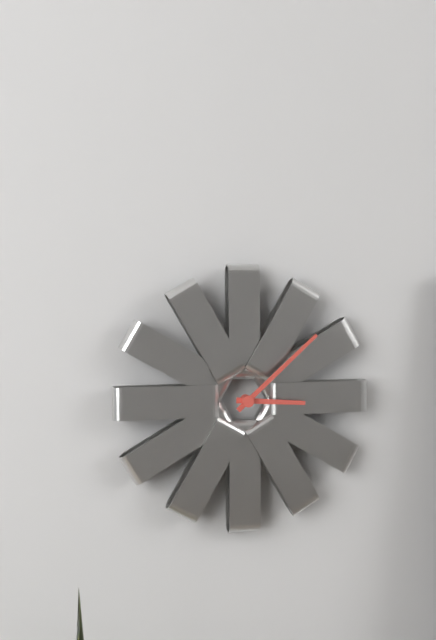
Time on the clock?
3:08
